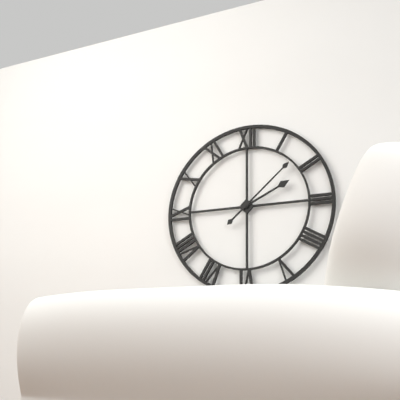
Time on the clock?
2:08
